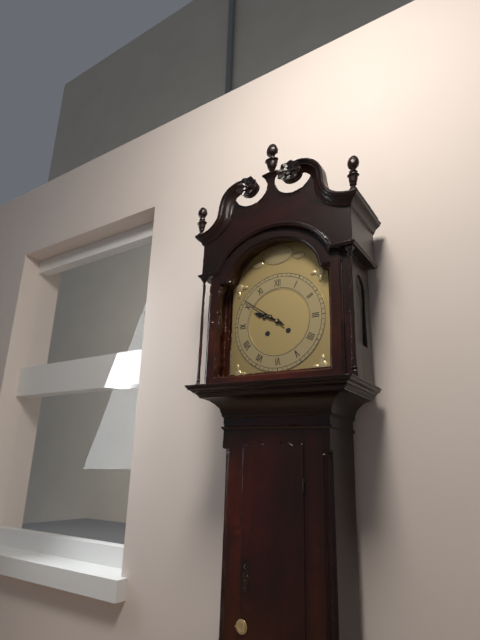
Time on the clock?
9:51
